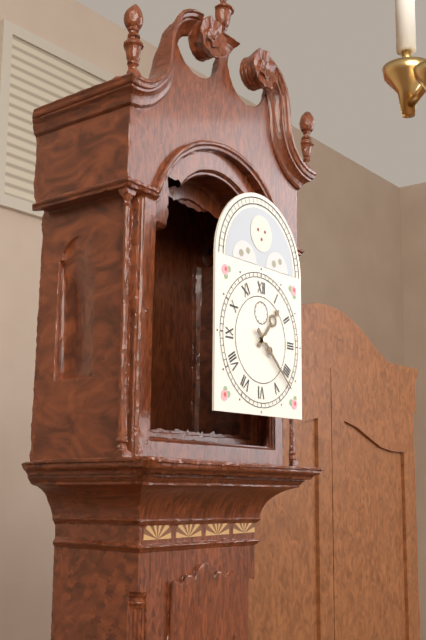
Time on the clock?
1:22
